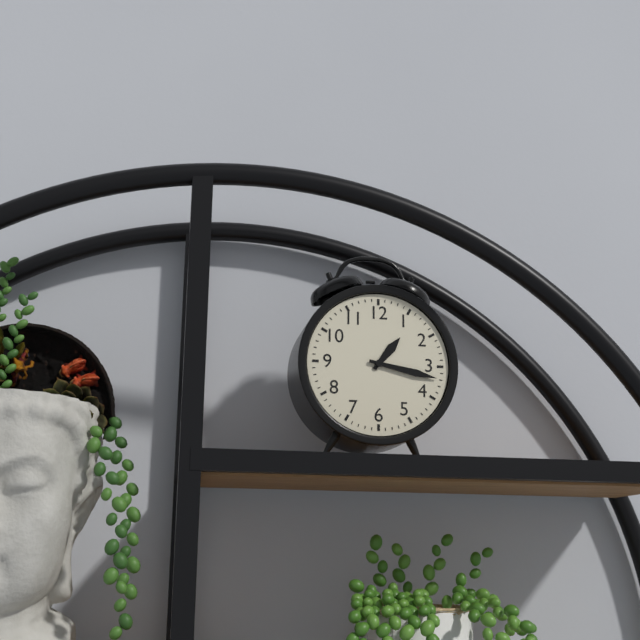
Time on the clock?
1:17
